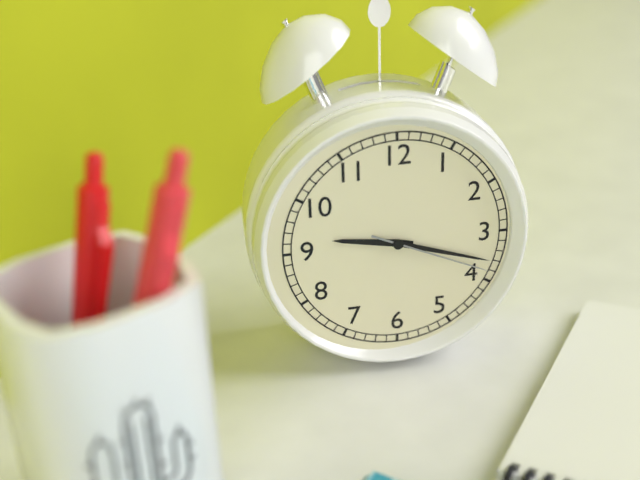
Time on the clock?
9:18:19
